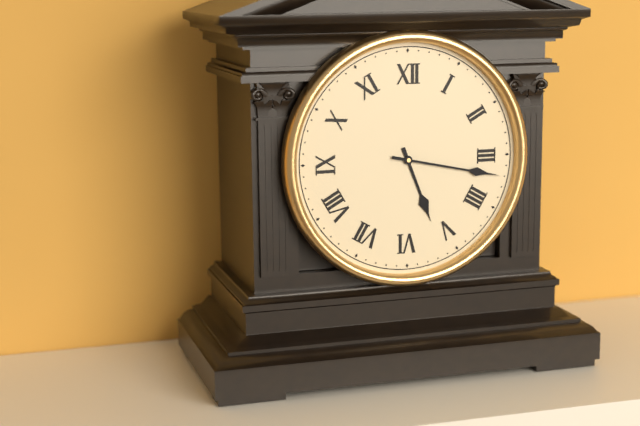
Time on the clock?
5:17
